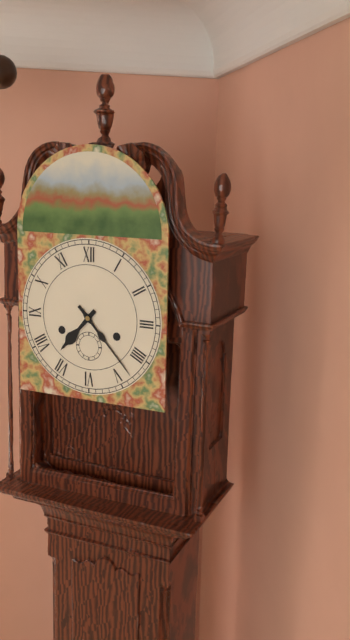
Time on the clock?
7:23
